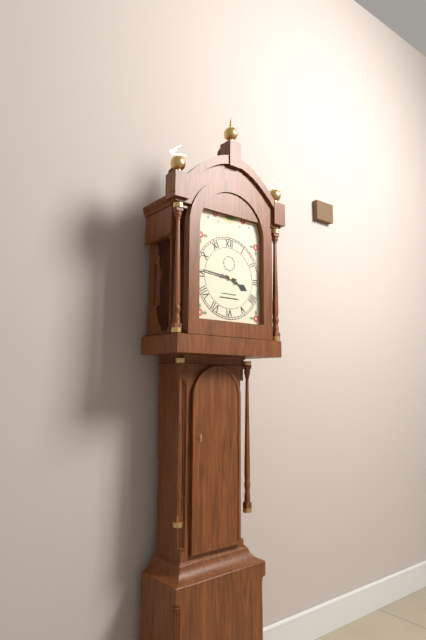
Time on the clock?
3:46
